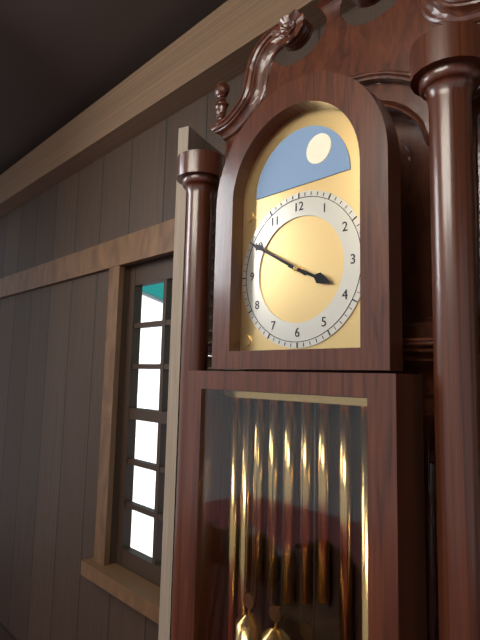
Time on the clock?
3:50
